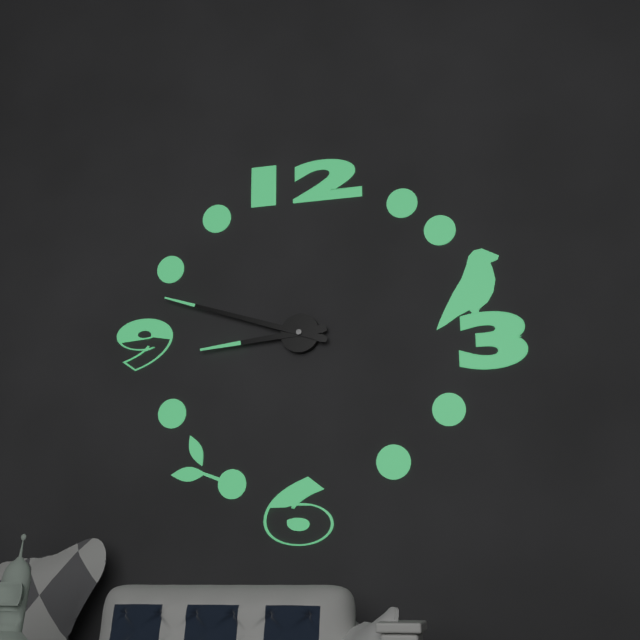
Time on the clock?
8:48
